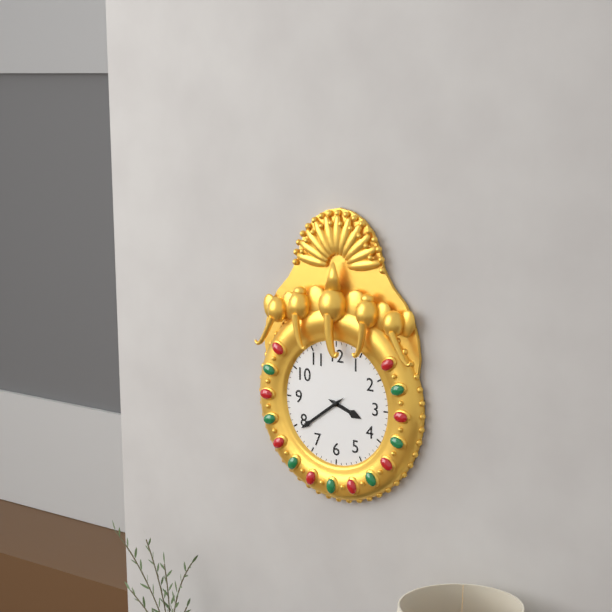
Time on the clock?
3:39
